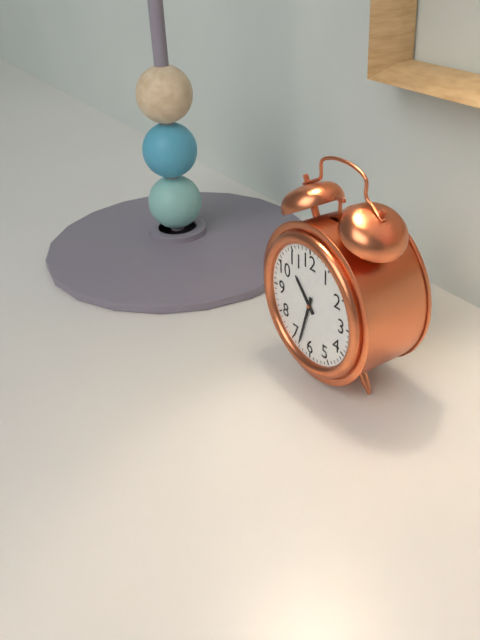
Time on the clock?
10:33
